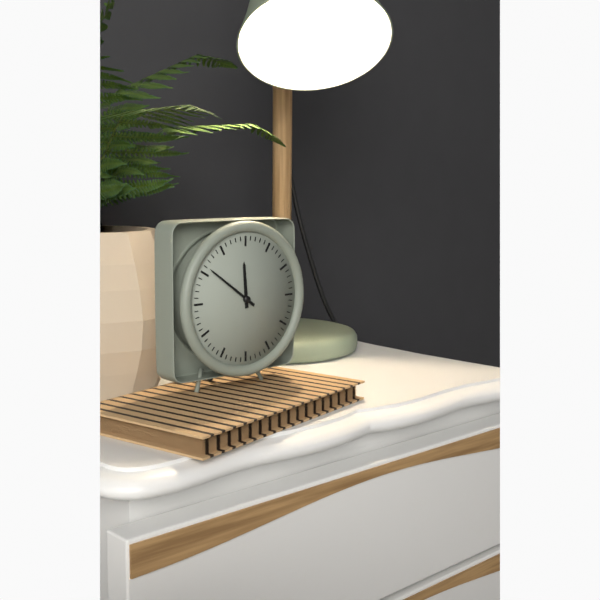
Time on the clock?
11:51
